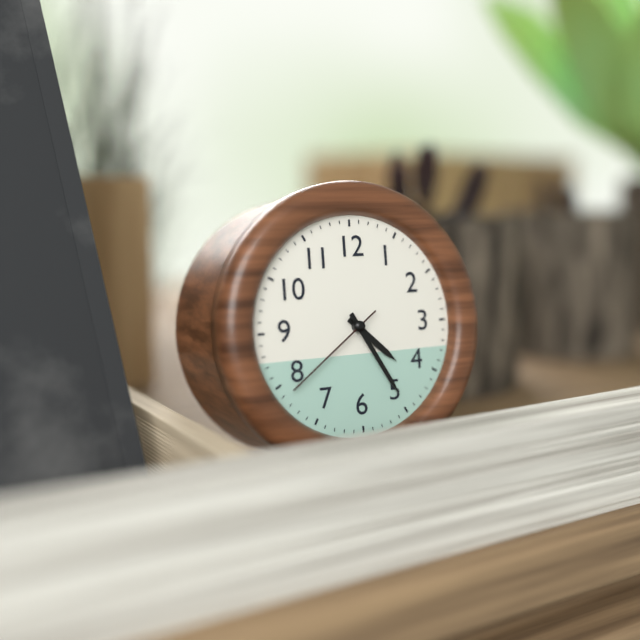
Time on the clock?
4:25:39
